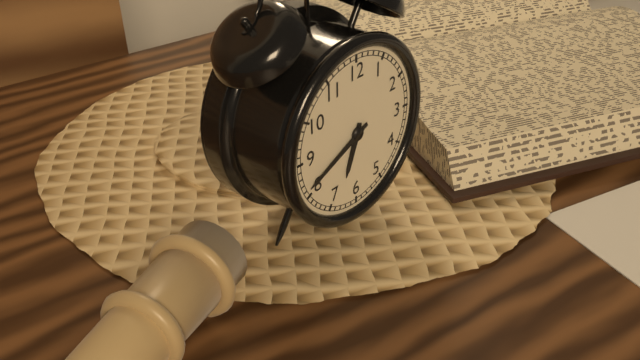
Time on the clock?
6:41
